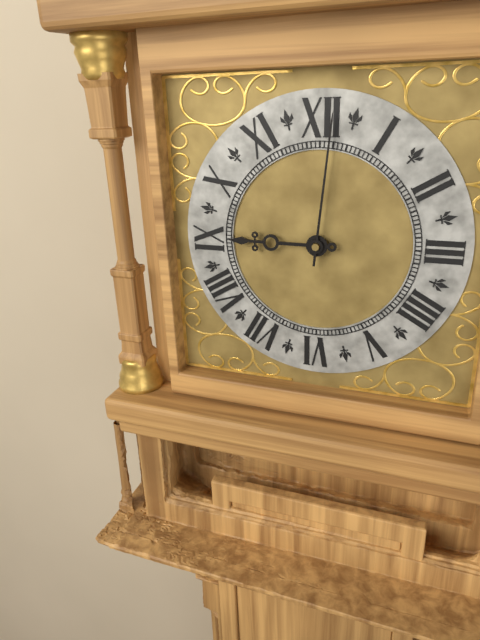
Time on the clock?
9:01
